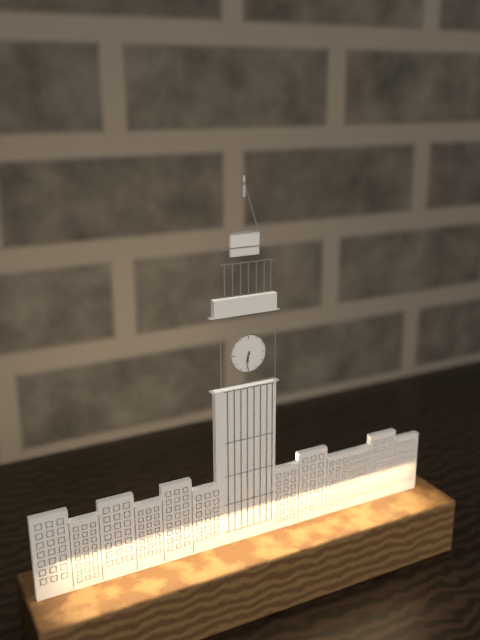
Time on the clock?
6:31
